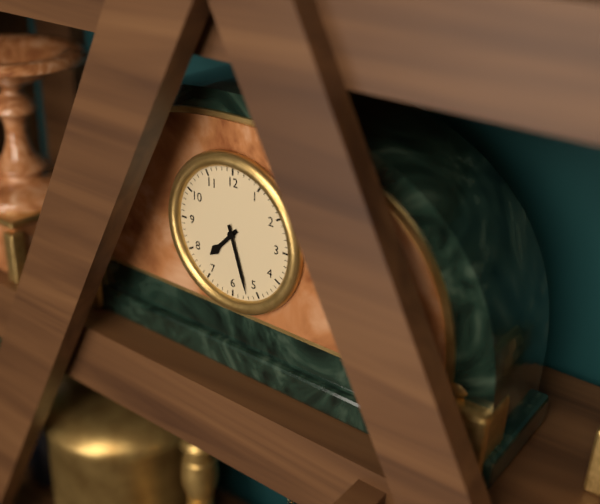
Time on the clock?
7:27
